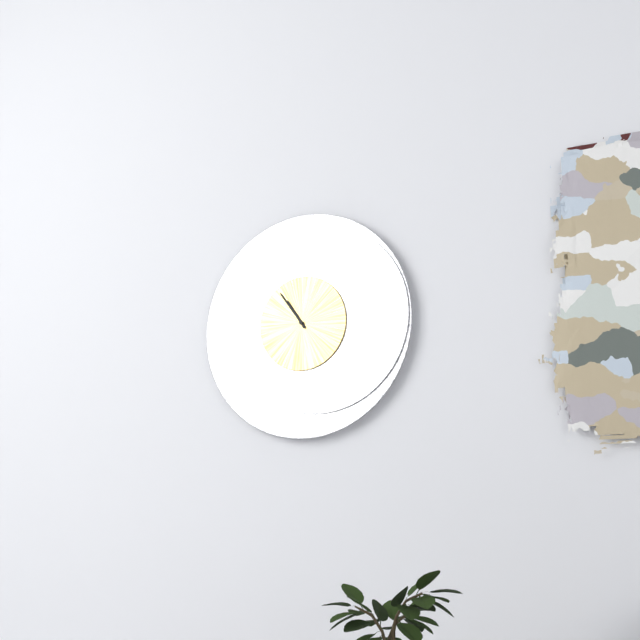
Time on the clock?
10:54
